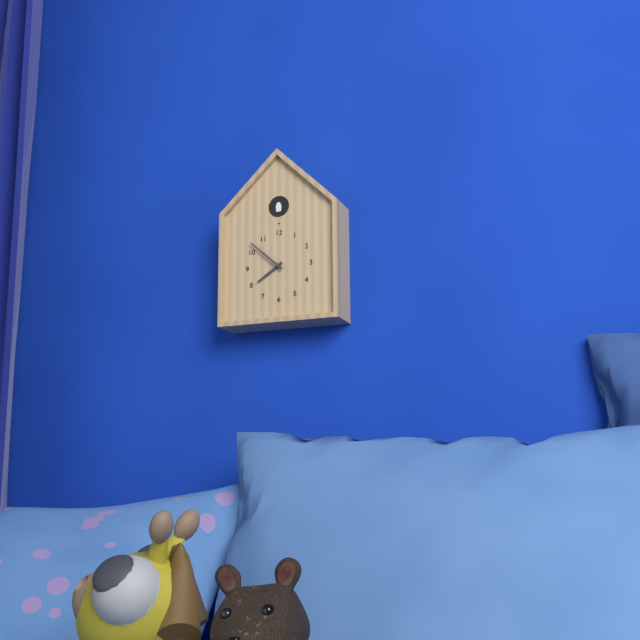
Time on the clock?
7:52
